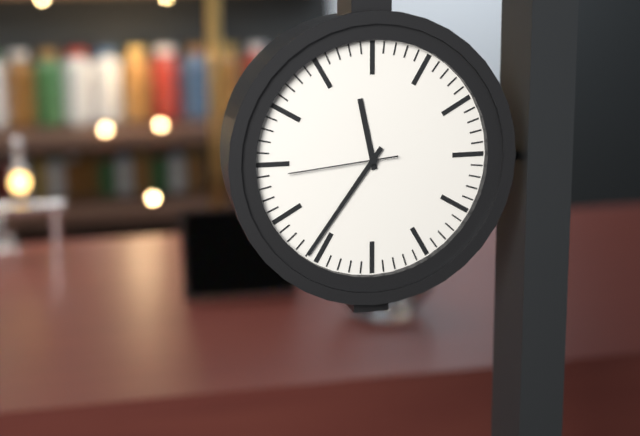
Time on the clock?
11:36:44
